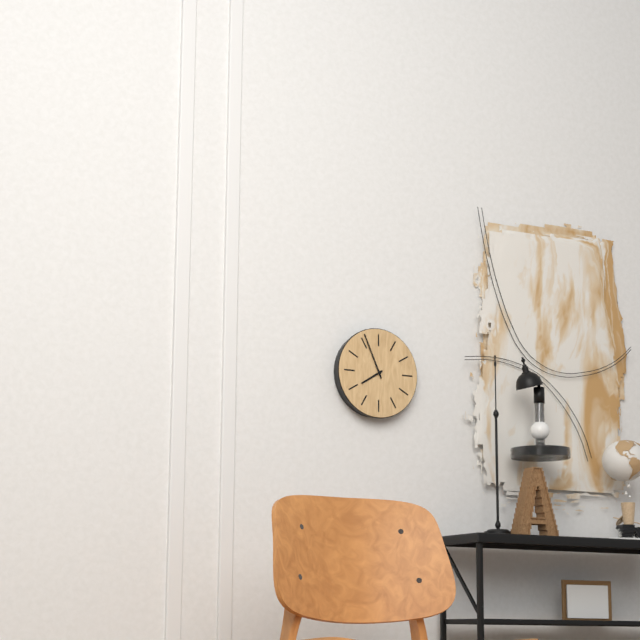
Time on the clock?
7:56
